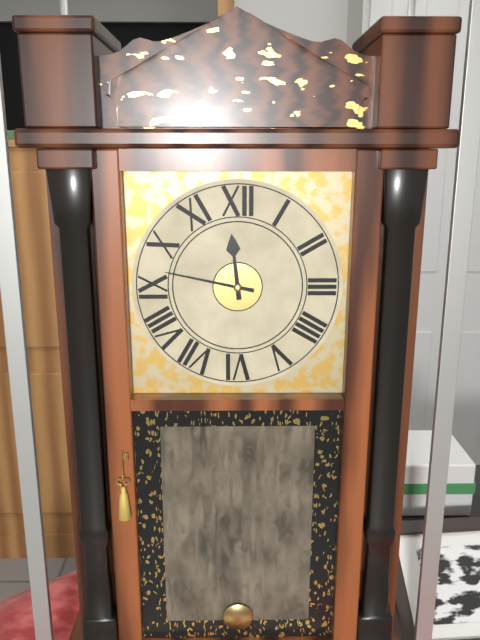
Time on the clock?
11:47
